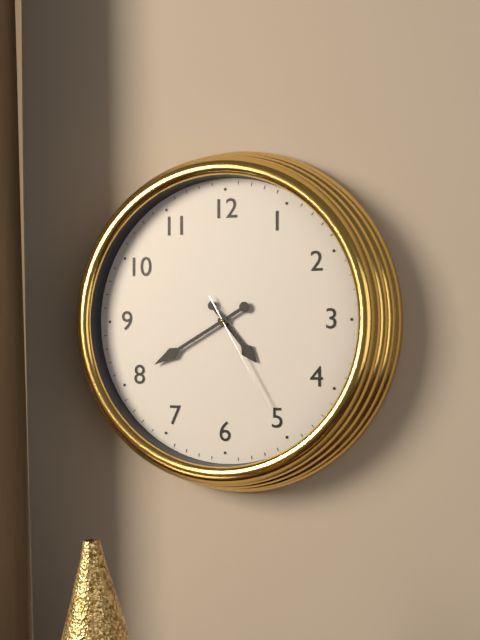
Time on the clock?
4:40:25
